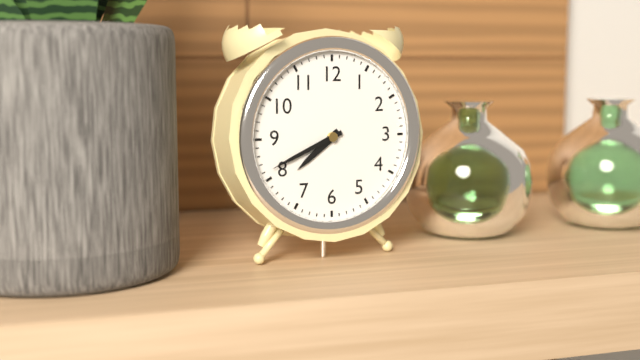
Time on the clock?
7:41
